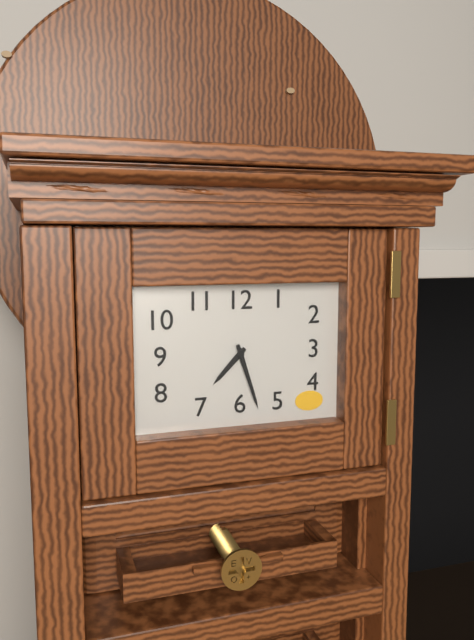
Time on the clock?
7:27
